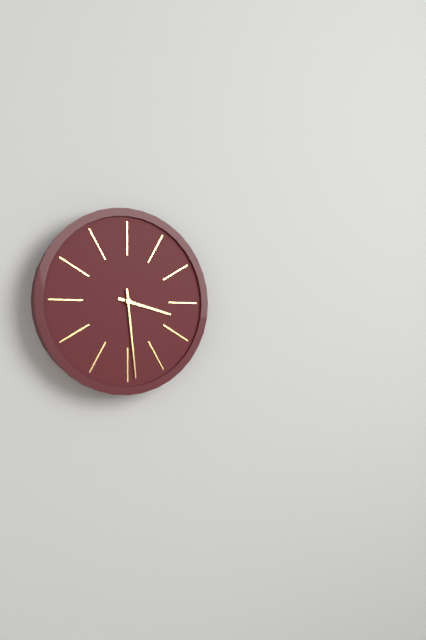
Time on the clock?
3:29
